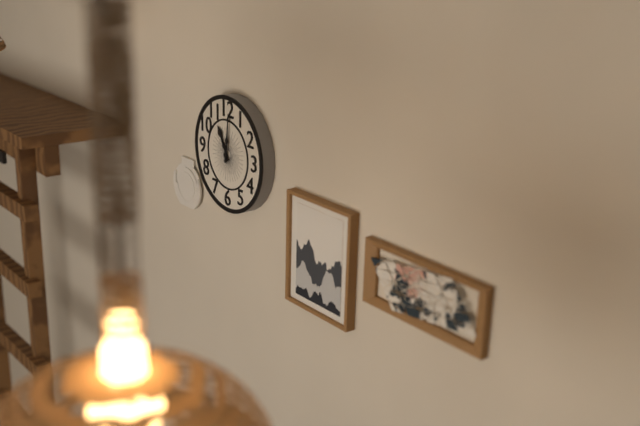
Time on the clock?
11:01
